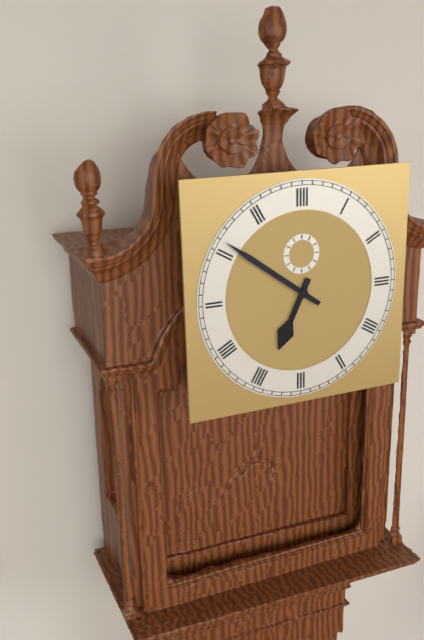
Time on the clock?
6:51
